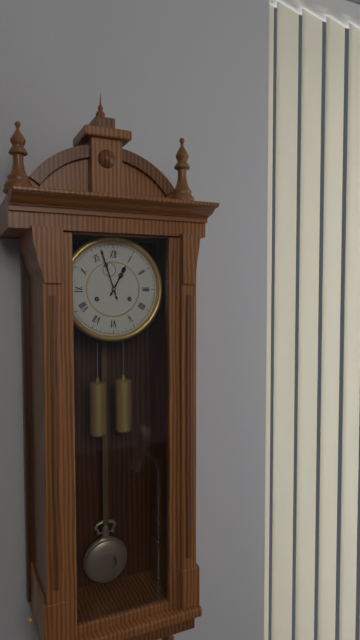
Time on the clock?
12:57
